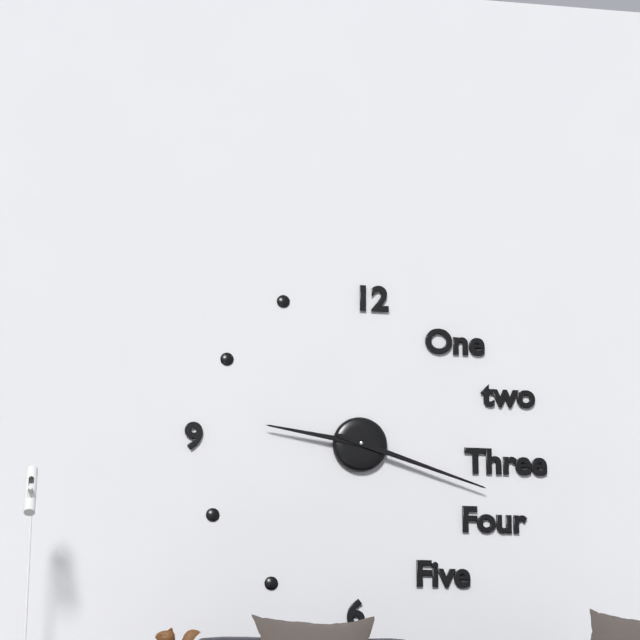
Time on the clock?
9:18
